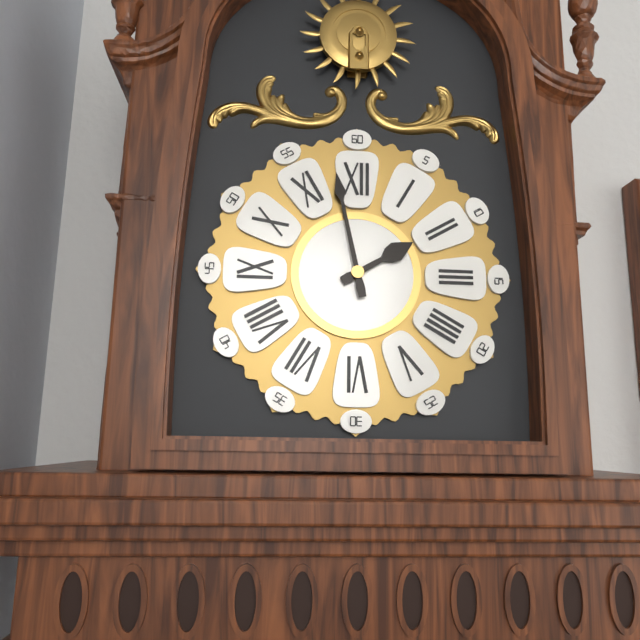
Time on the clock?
1:58
